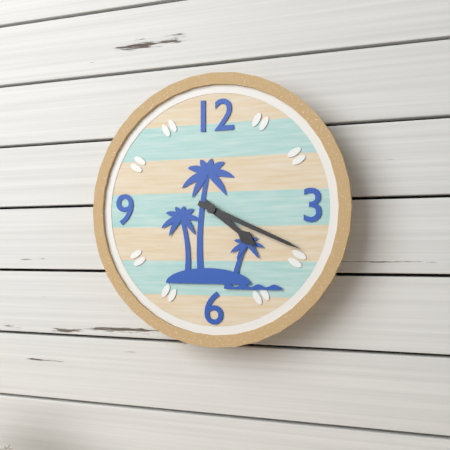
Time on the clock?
4:19
